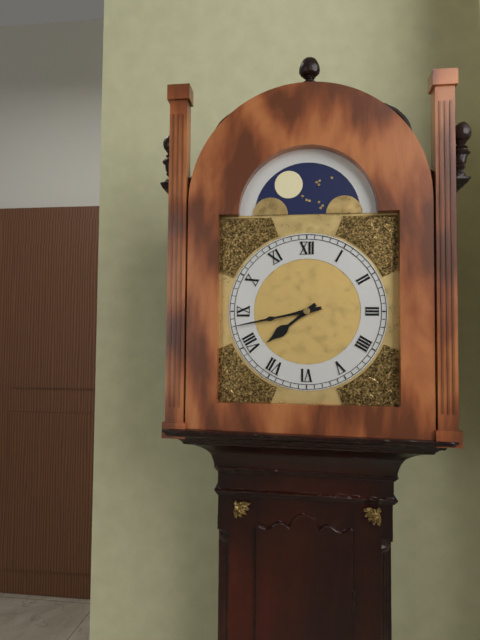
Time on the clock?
7:43
